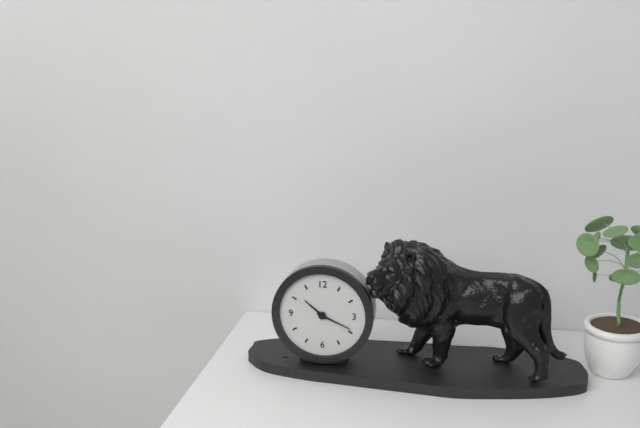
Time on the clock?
10:19
